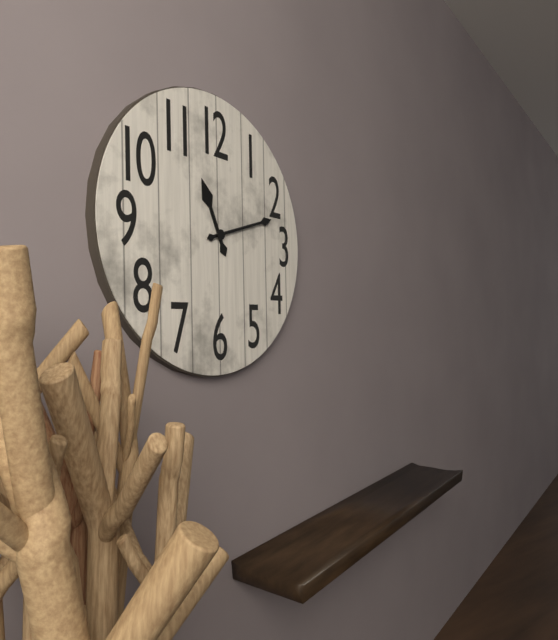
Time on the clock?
11:12
